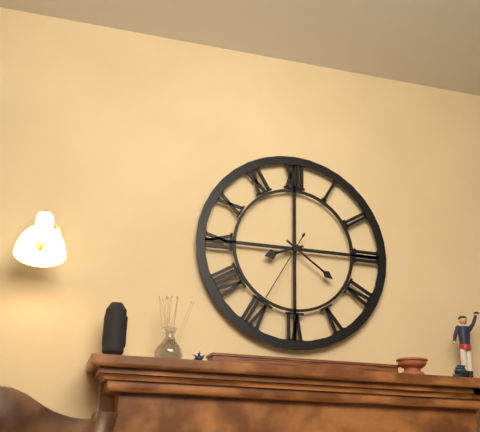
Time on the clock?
8:21:35
